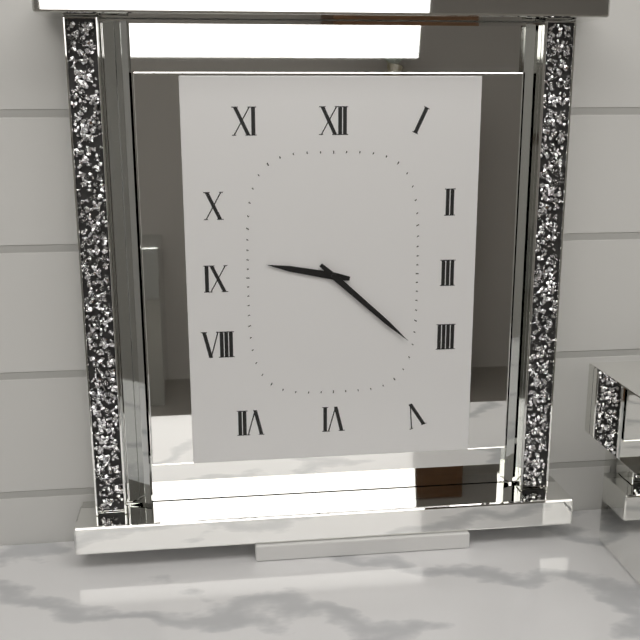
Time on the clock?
9:22
